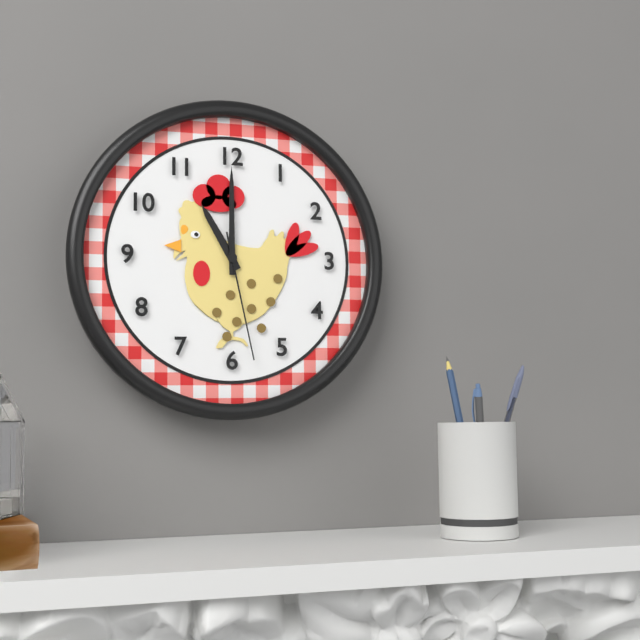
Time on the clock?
11:00:28
